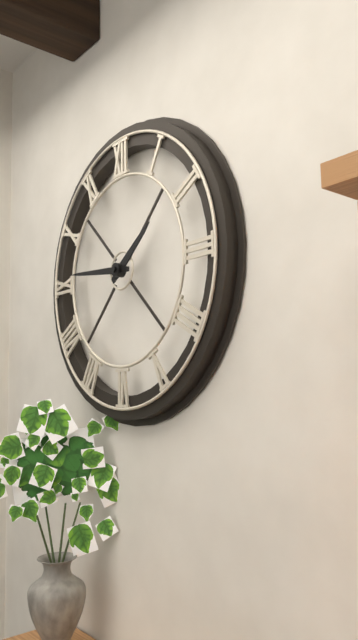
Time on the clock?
1:46
